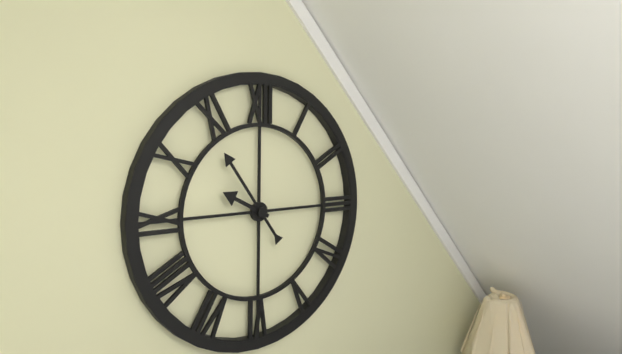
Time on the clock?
9:54
